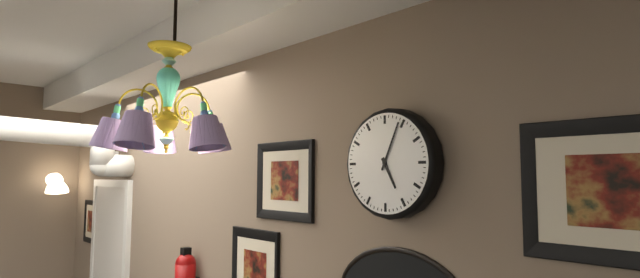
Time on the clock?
5:04
